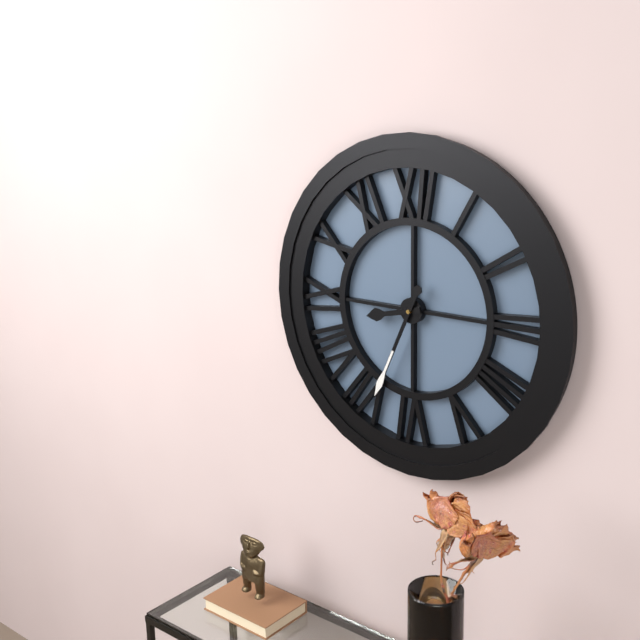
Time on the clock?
8:34
